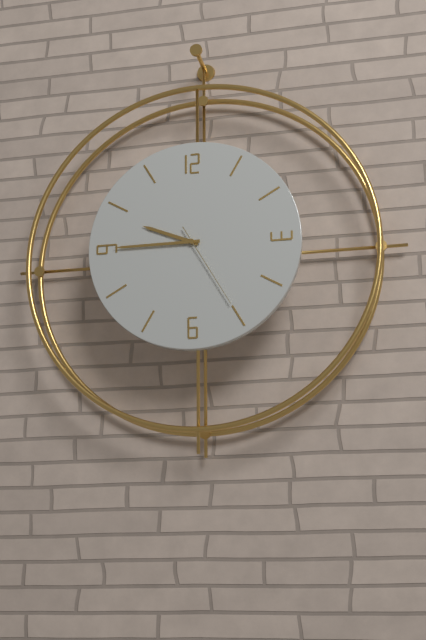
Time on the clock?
9:45:25
